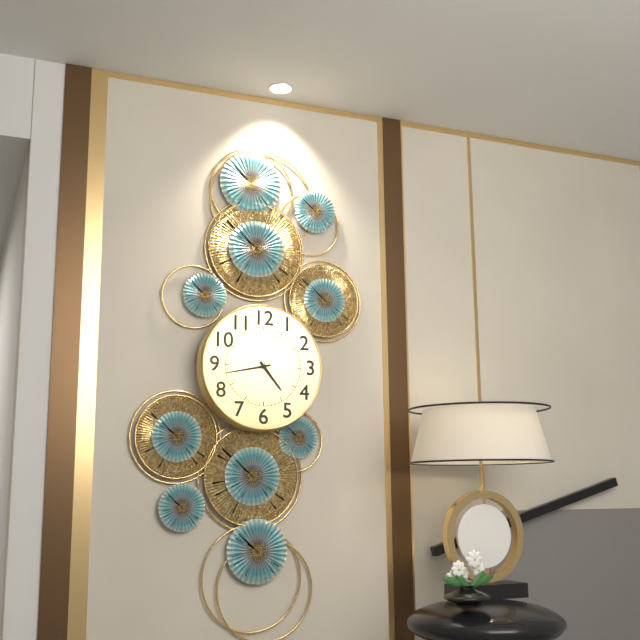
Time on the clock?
4:43
